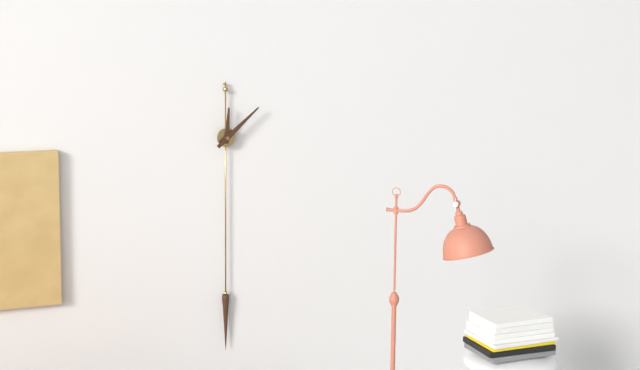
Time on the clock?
12:08
